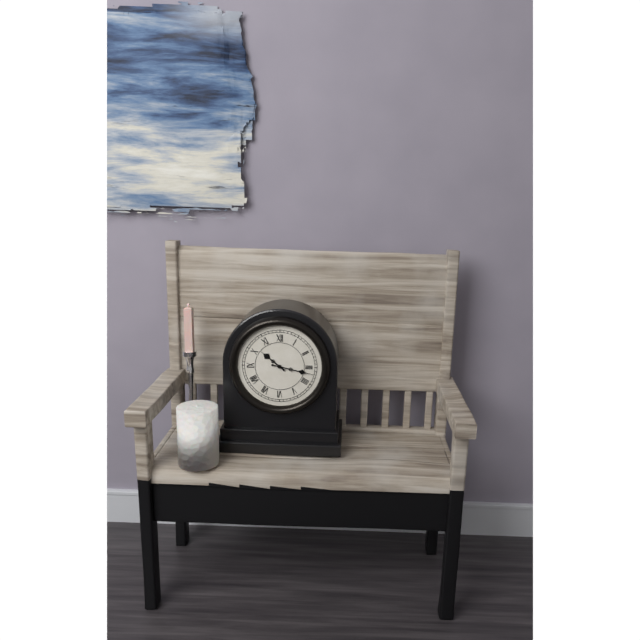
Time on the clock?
10:17
